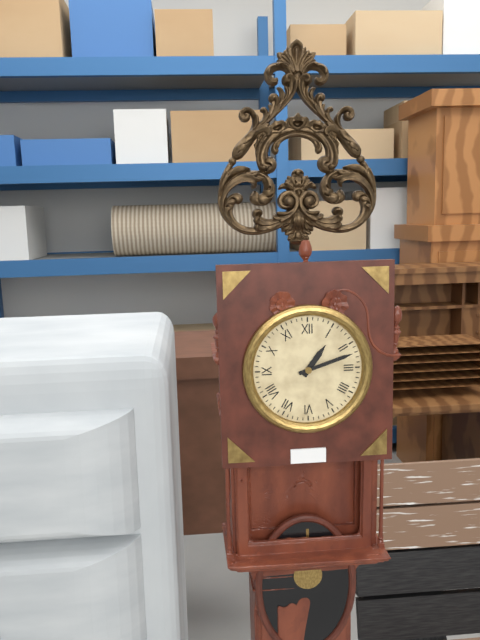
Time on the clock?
1:12
